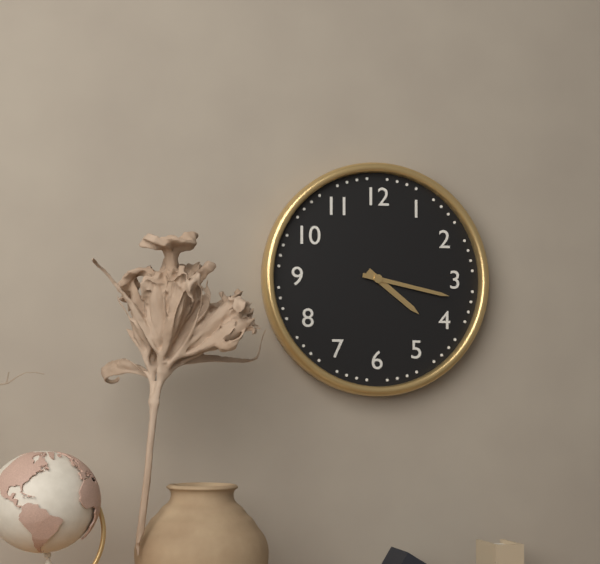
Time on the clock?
4:17
